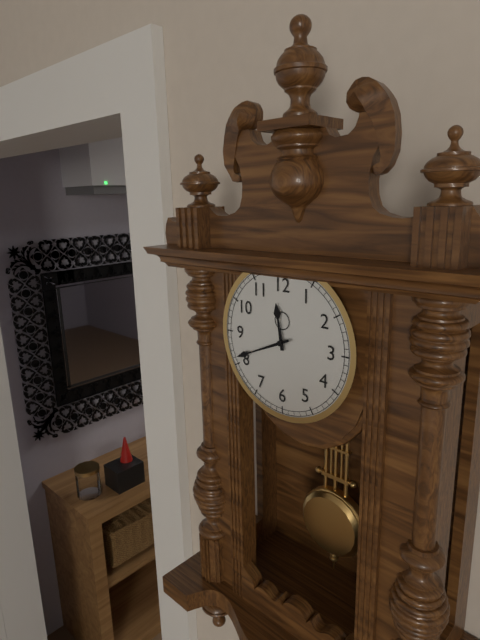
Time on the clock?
11:41
